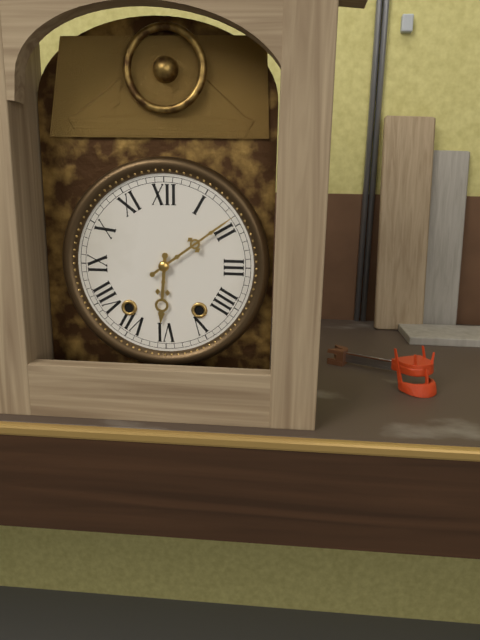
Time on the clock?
6:09
